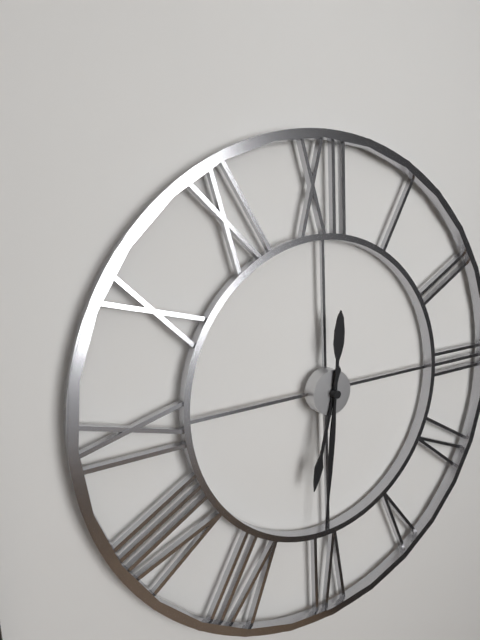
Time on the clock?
6:31
